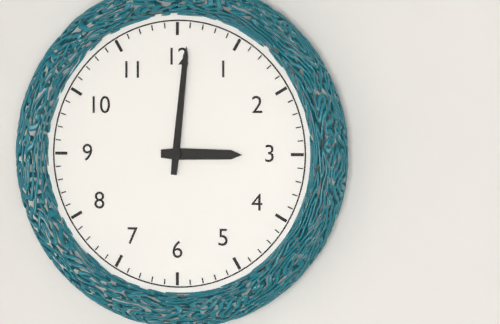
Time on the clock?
3:01
